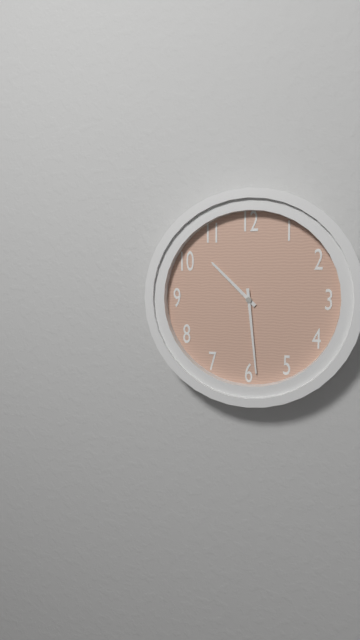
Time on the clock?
10:29
